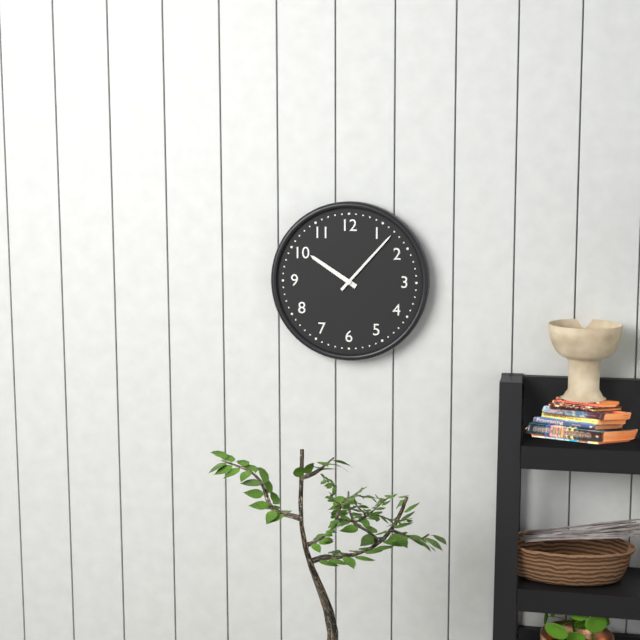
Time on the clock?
10:07
